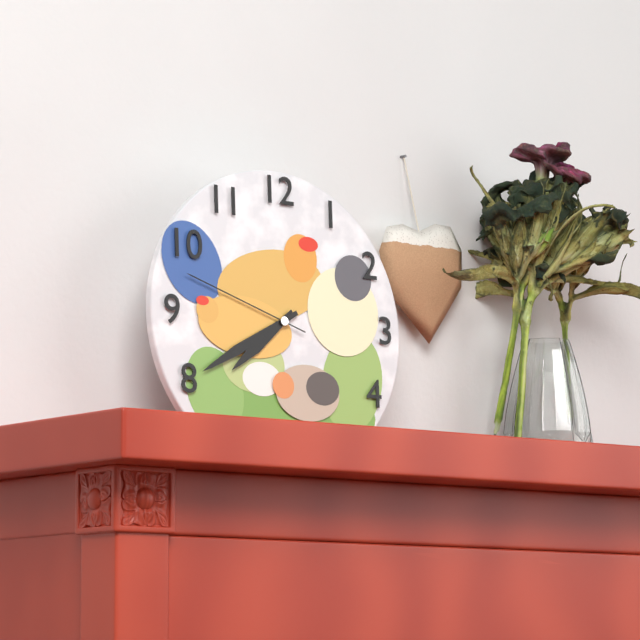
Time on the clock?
7:40:48
